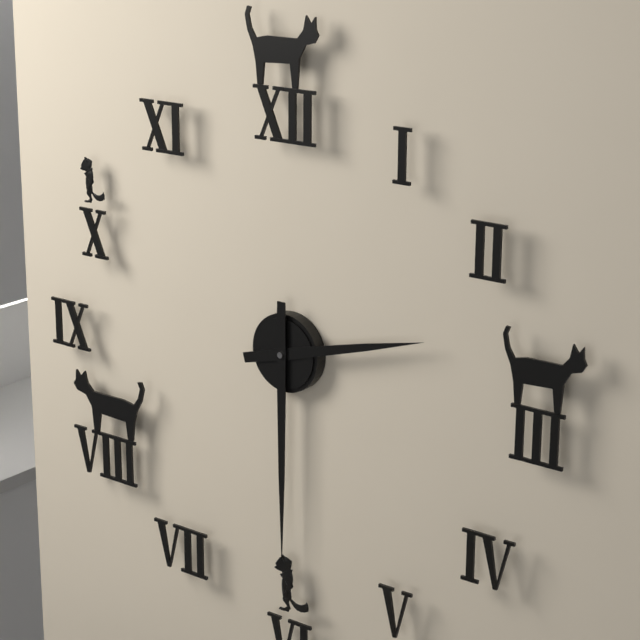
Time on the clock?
2:30
